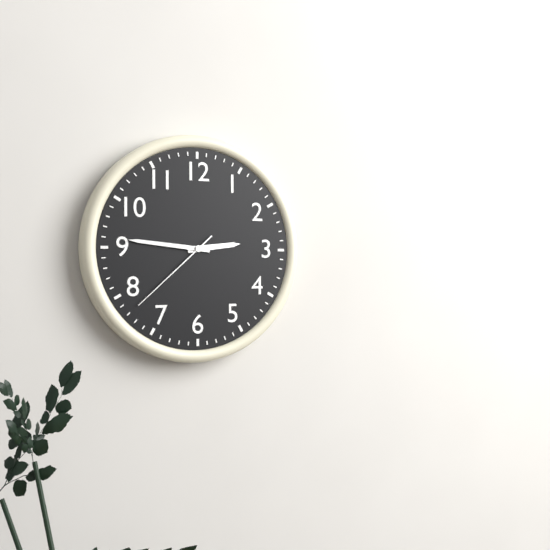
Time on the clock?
2:46:38
